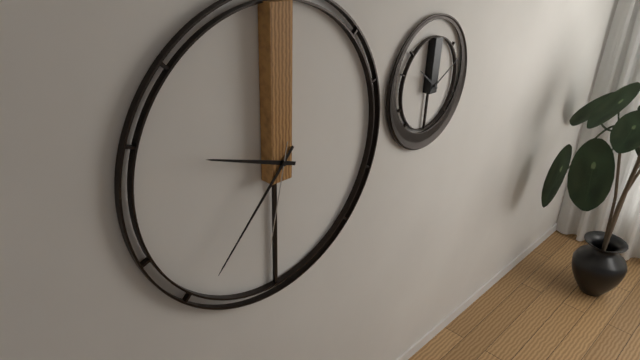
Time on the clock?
9:37:32
